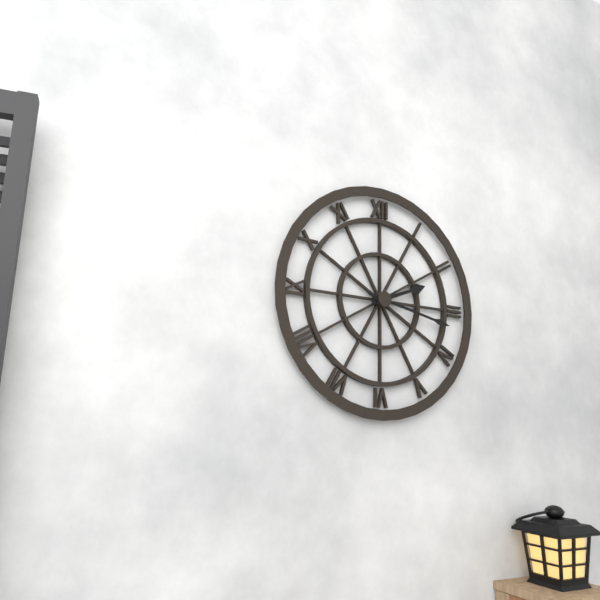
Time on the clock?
2:17
